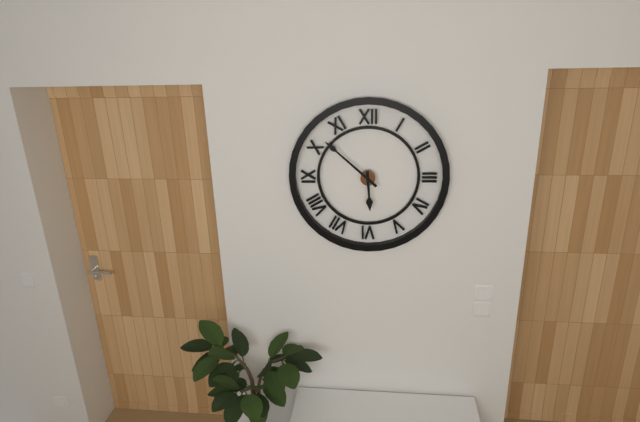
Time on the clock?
5:52
